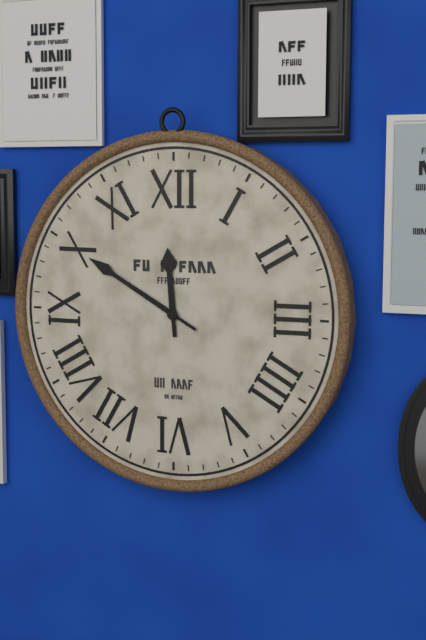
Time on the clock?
11:50
